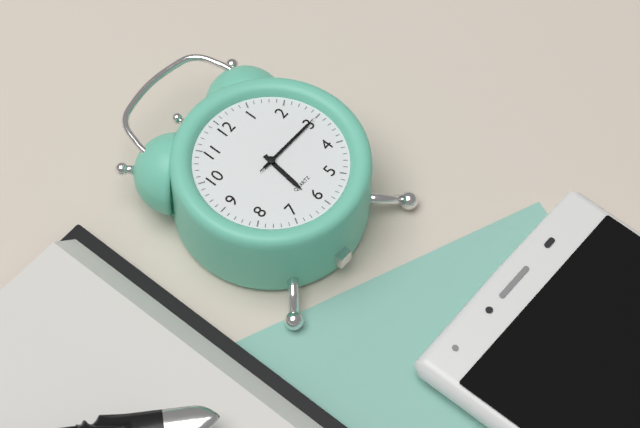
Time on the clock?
6:15:15
